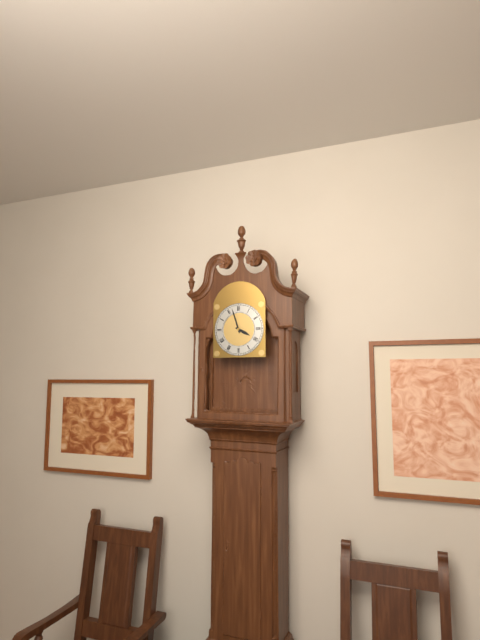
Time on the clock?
3:57
